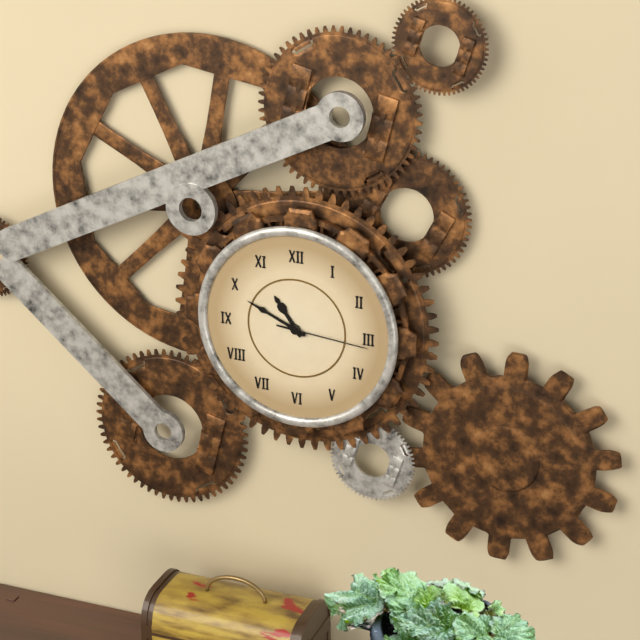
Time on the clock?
10:49:16
